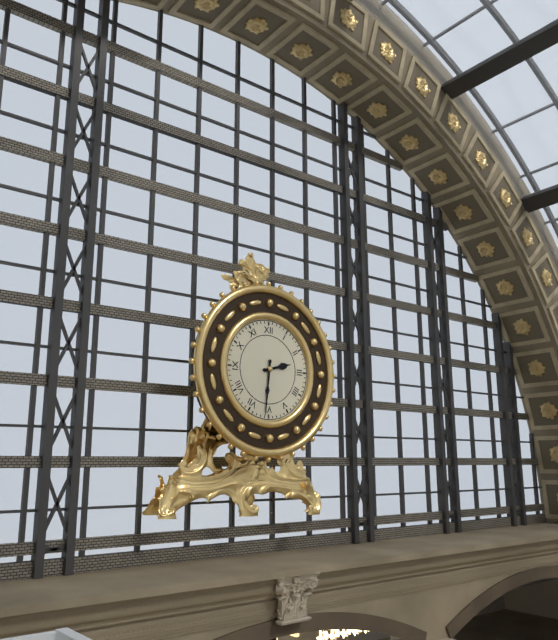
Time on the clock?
2:31
